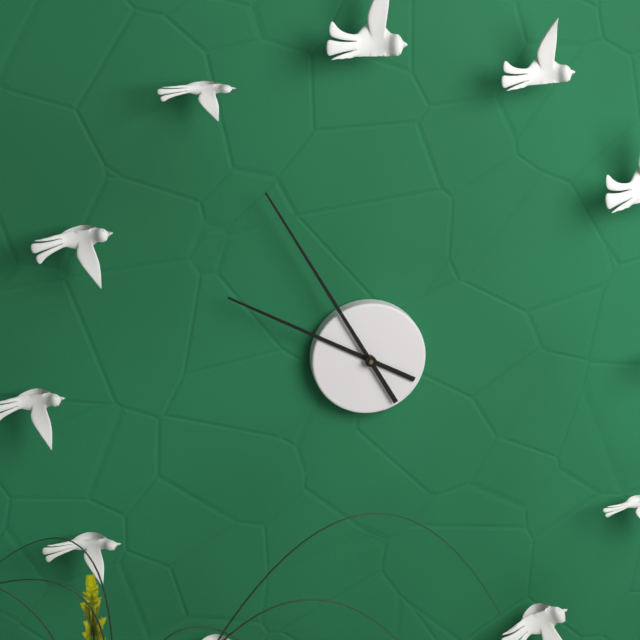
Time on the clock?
9:55
